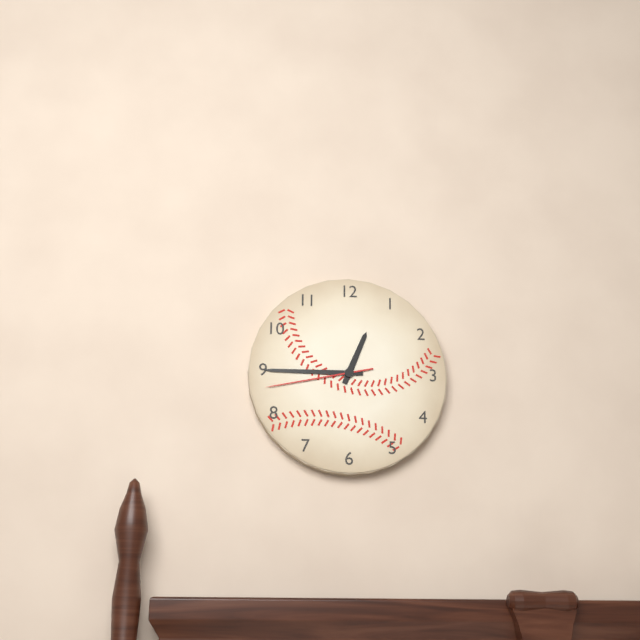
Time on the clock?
12:45:43
